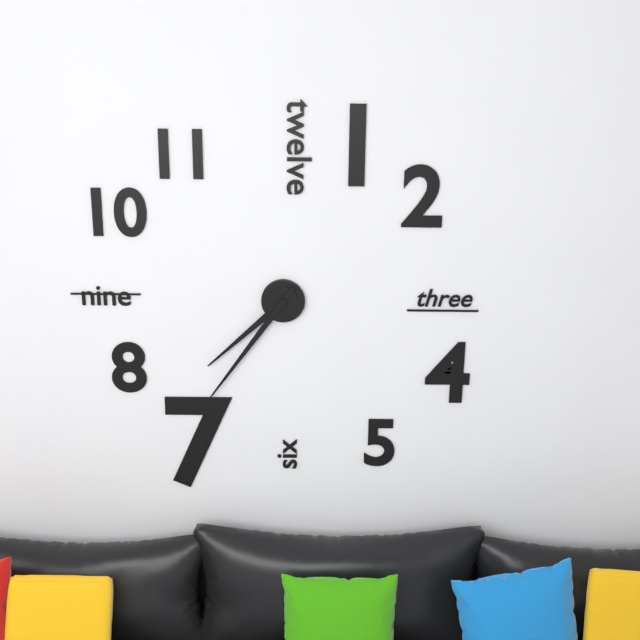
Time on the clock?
7:36
